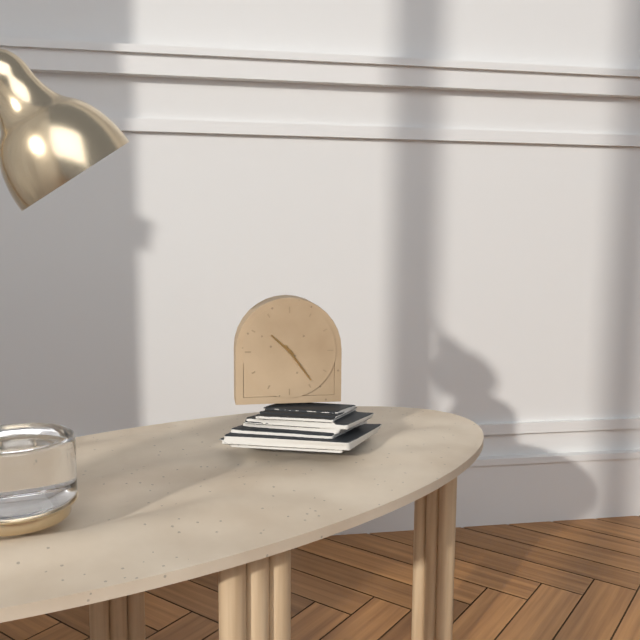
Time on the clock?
10:24
